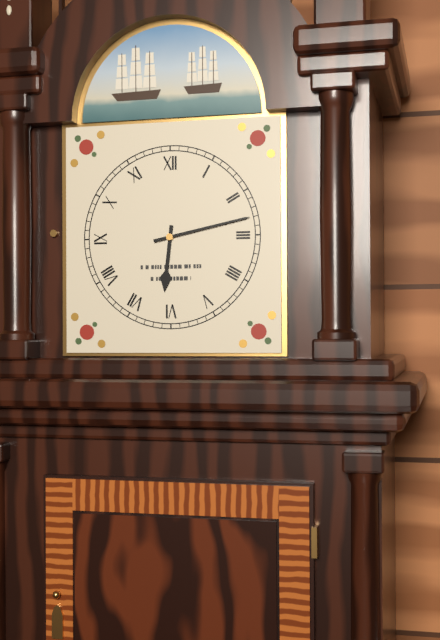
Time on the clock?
6:13
